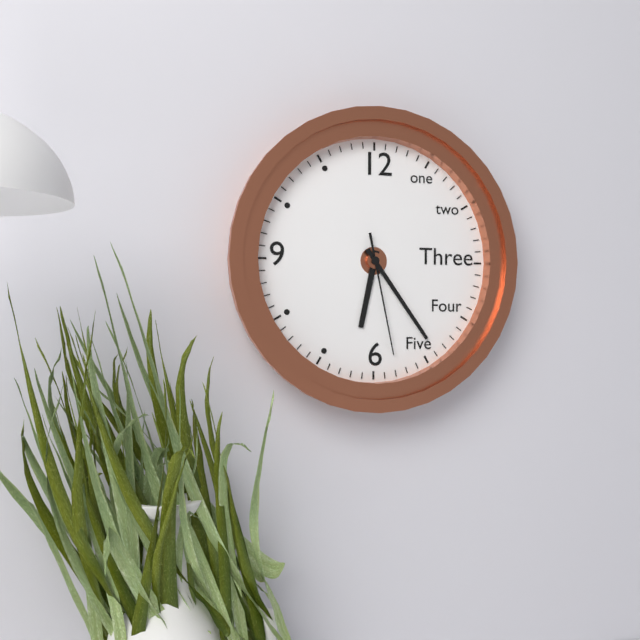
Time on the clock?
6:24:28
